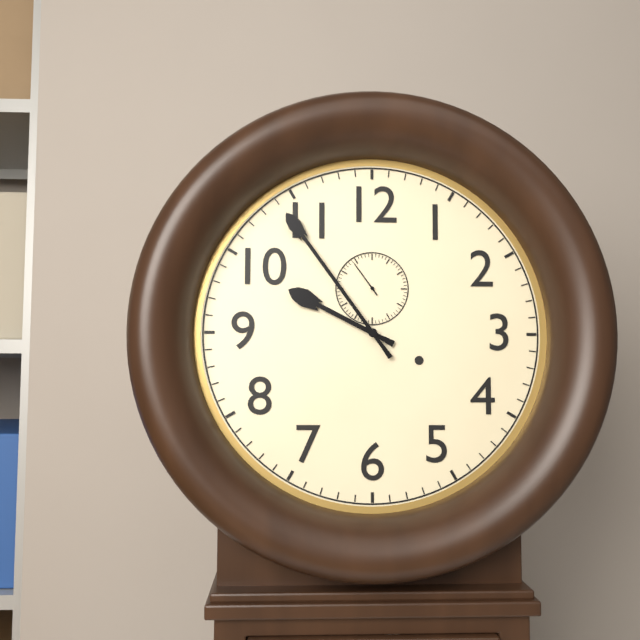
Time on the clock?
9:54
